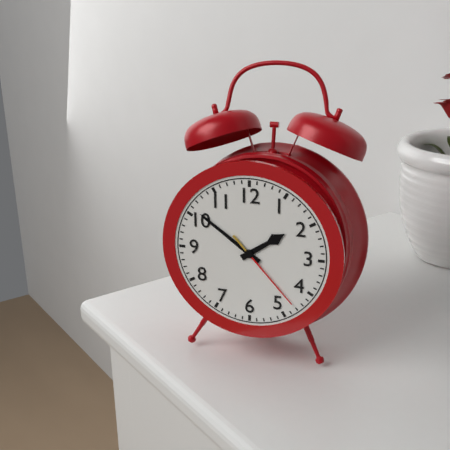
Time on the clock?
1:51:23
